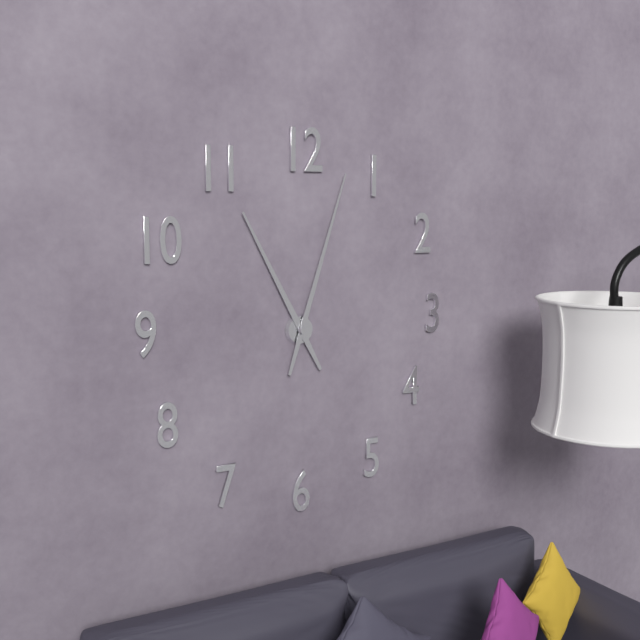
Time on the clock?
11:03
